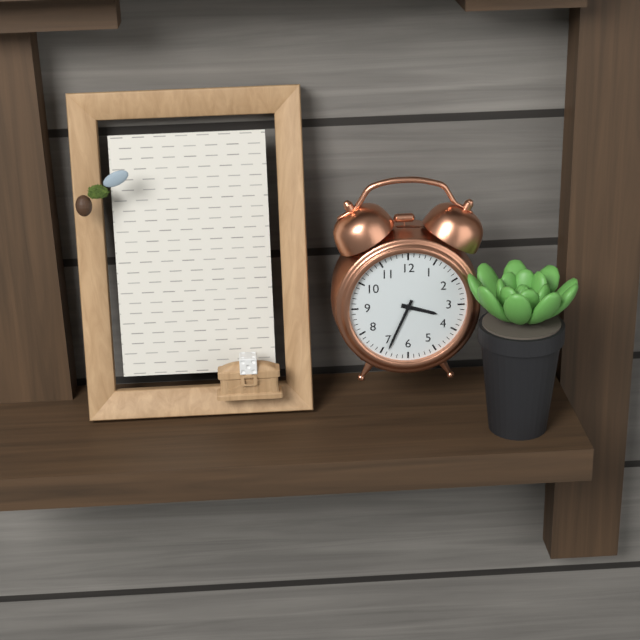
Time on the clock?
3:34
